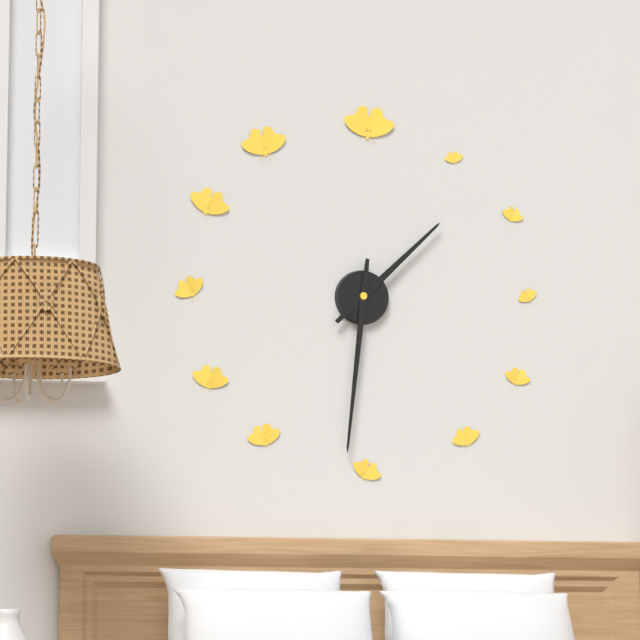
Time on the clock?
1:31
